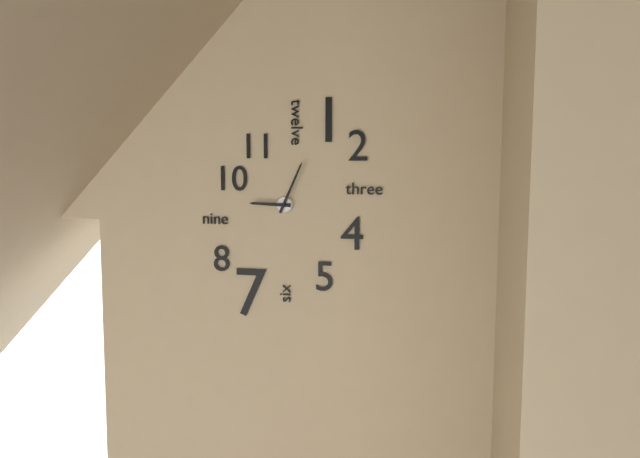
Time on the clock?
9:04
